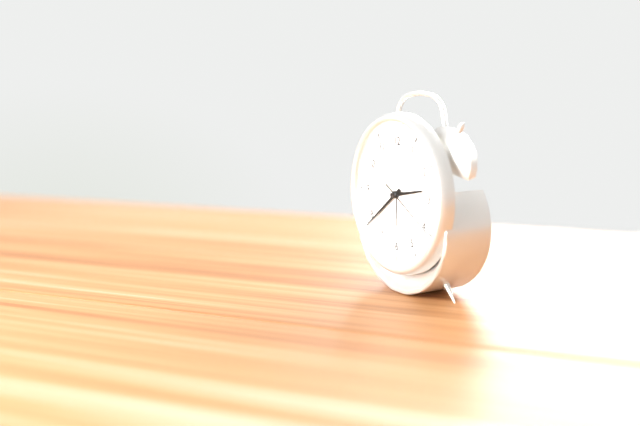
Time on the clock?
2:39:20
